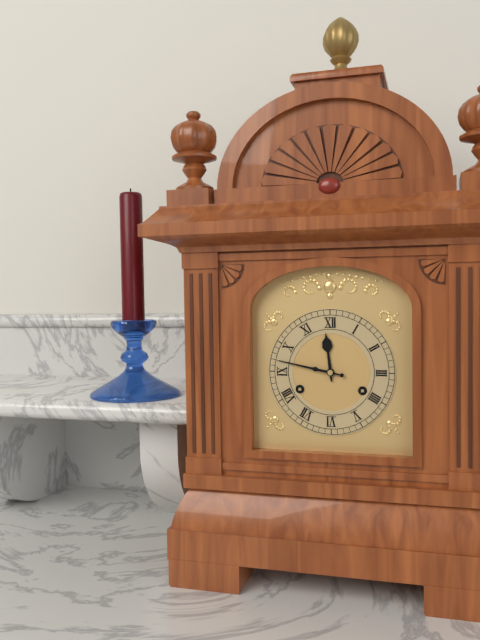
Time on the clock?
11:47
